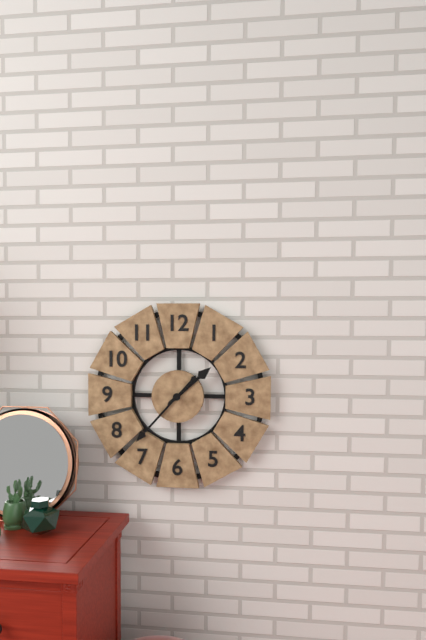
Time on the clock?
1:37
